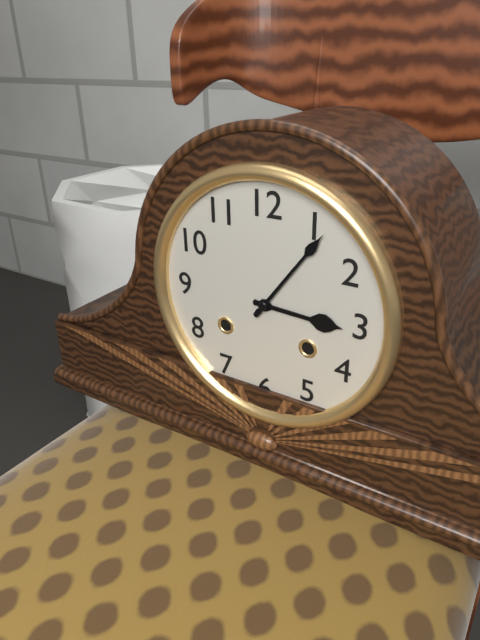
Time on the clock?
3:06
